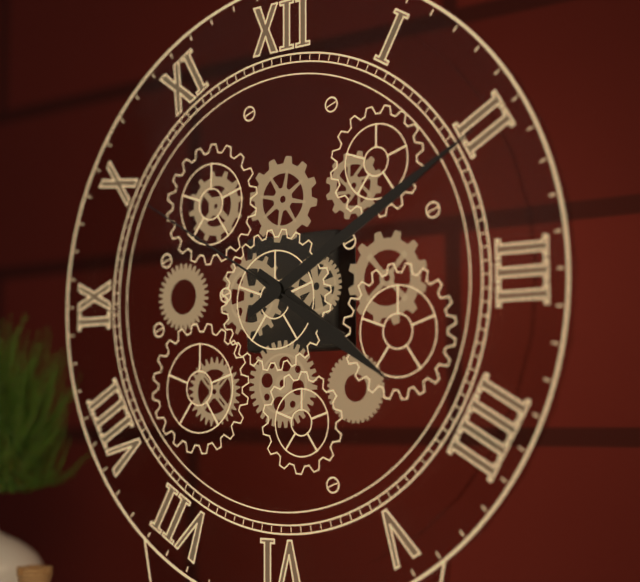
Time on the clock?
4:10:50
